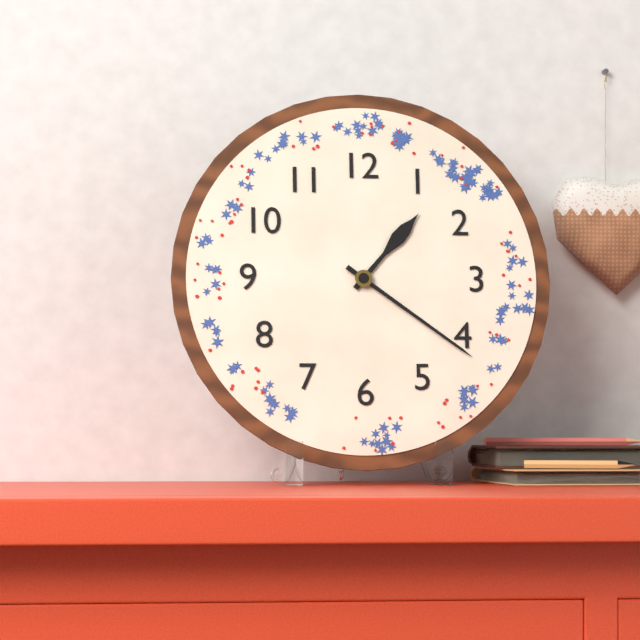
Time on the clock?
1:21
